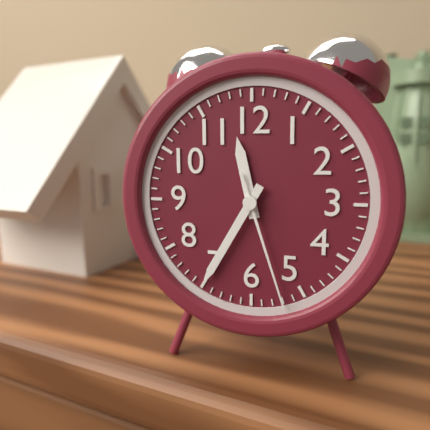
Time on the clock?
11:35:27
